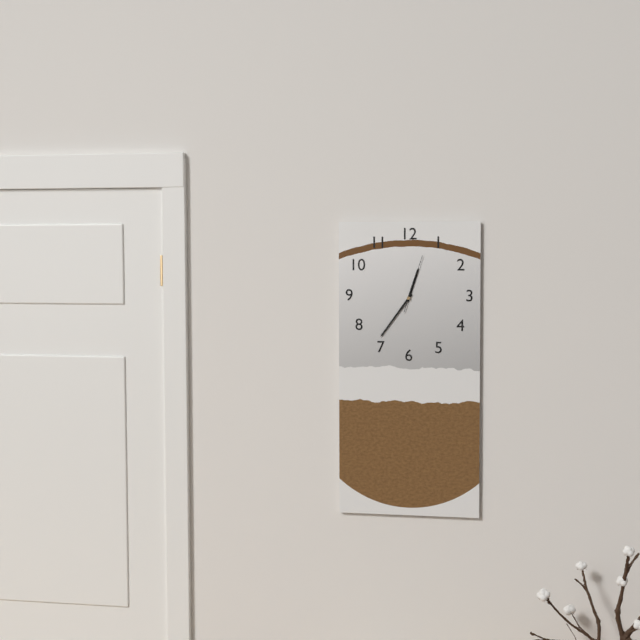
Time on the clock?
12:36:03
